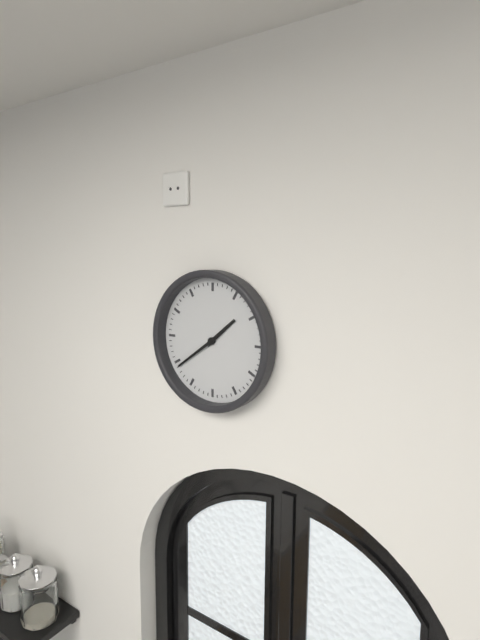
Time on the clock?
1:39
